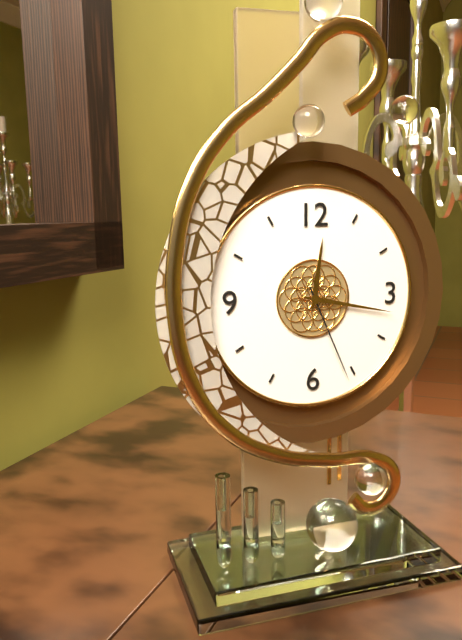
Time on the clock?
12:17:26
